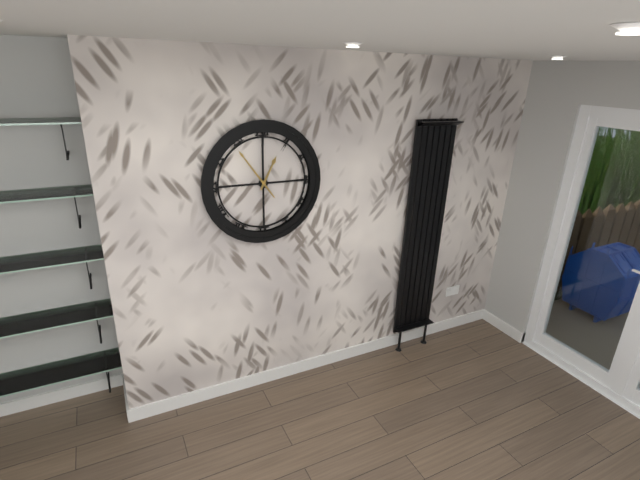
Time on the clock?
12:54
